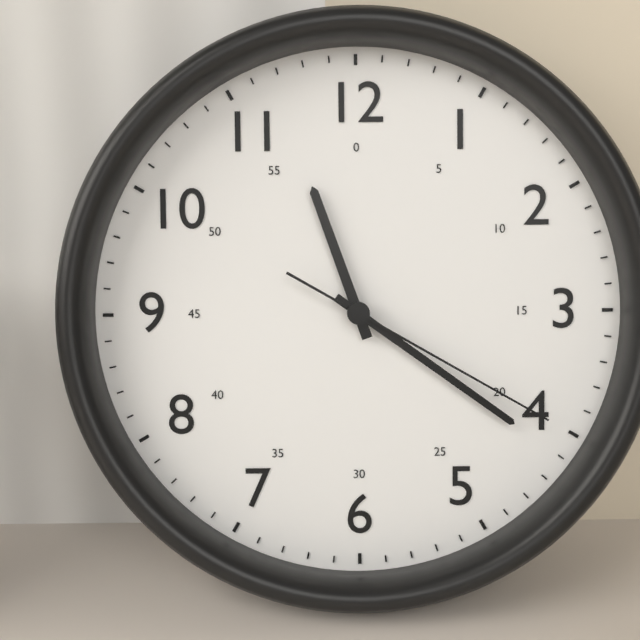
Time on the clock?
11:21:20
